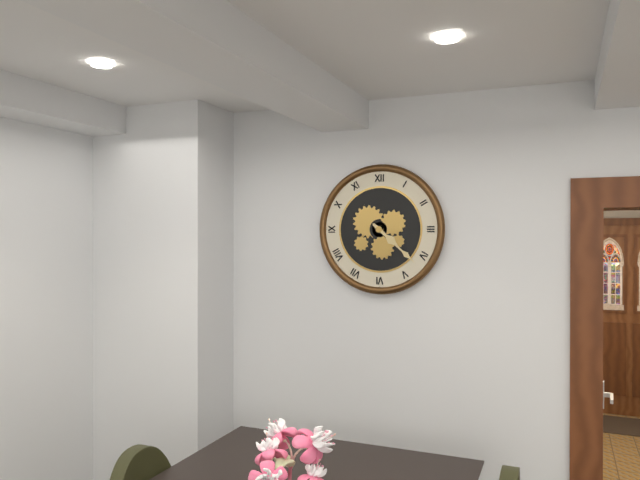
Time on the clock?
4:22
